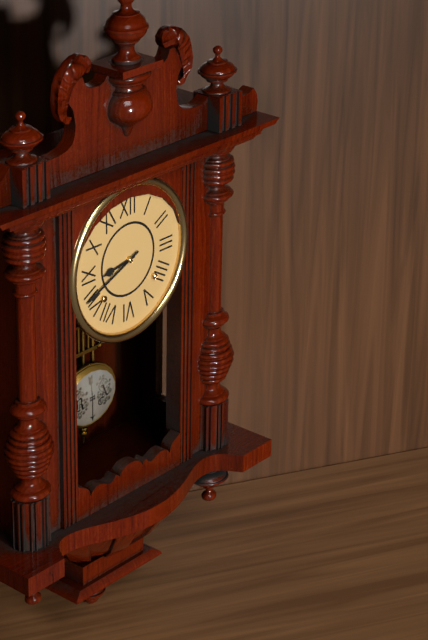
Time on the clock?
8:41
